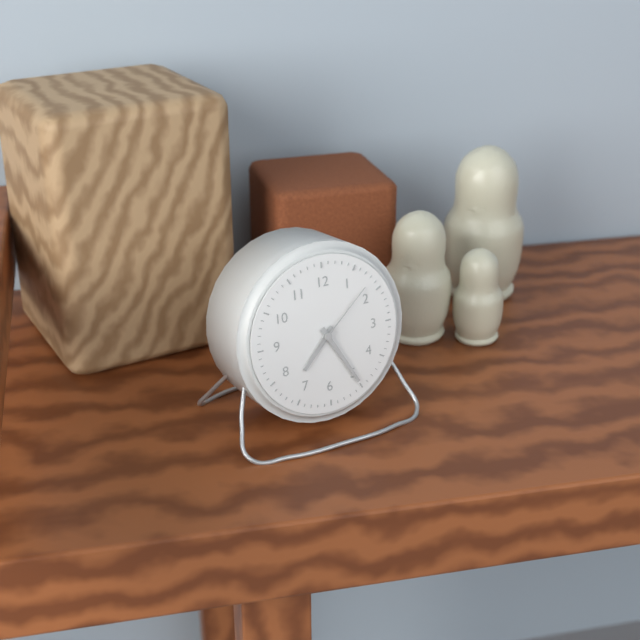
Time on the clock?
7:25:08
